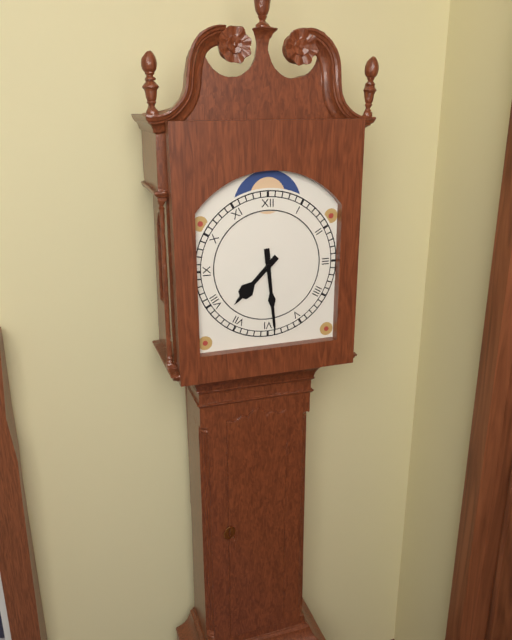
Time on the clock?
7:29
